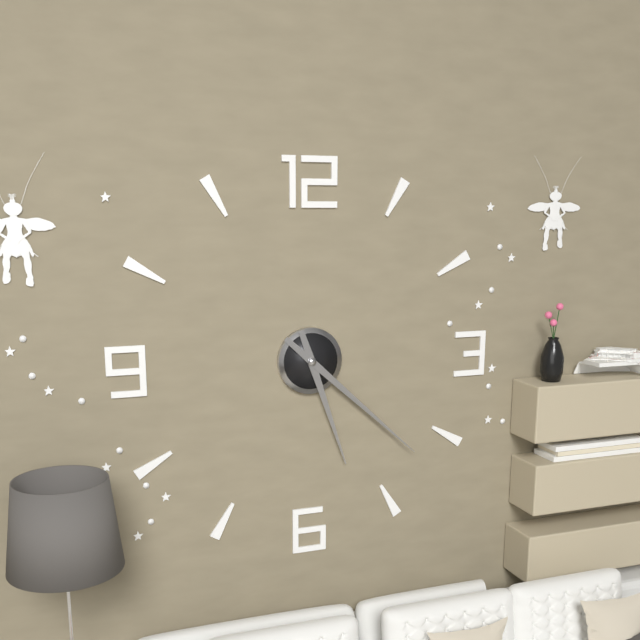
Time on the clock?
5:22
